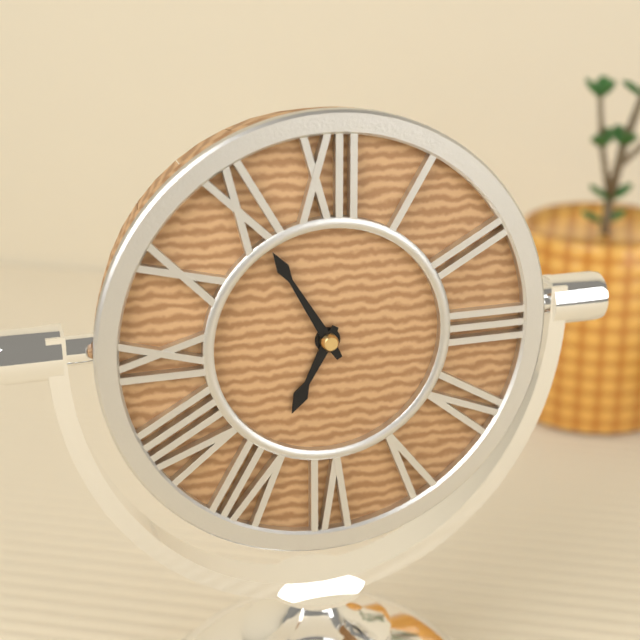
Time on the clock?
6:55
